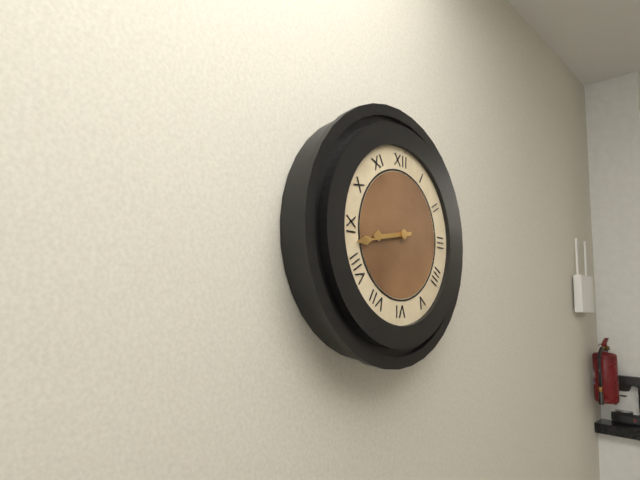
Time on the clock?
8:43
